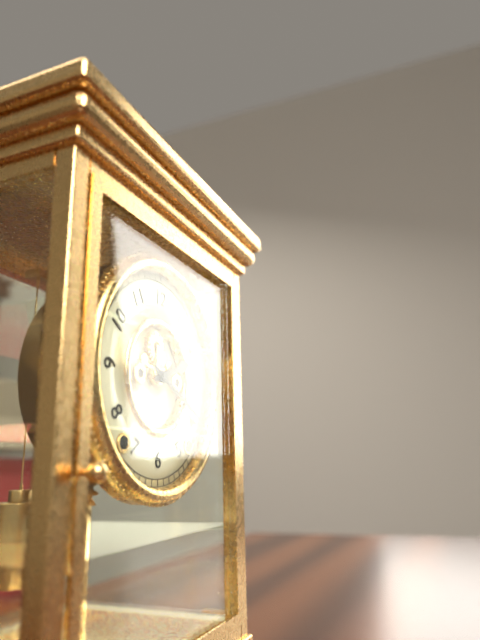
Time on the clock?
2:19
